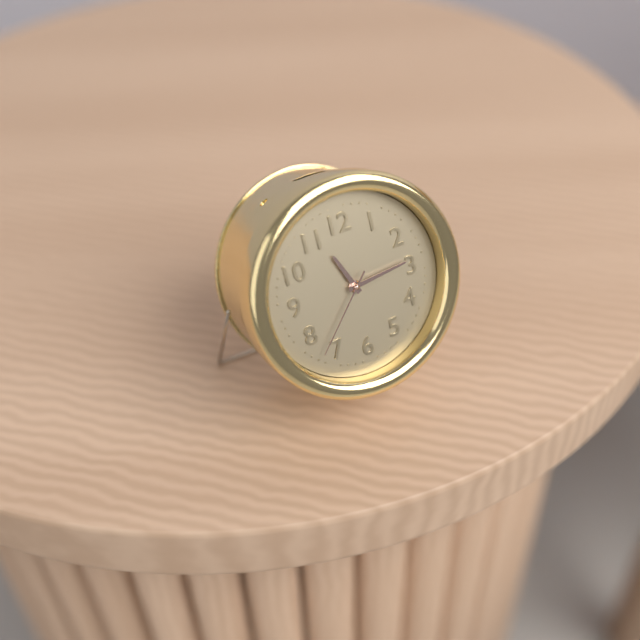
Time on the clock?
11:14:37
